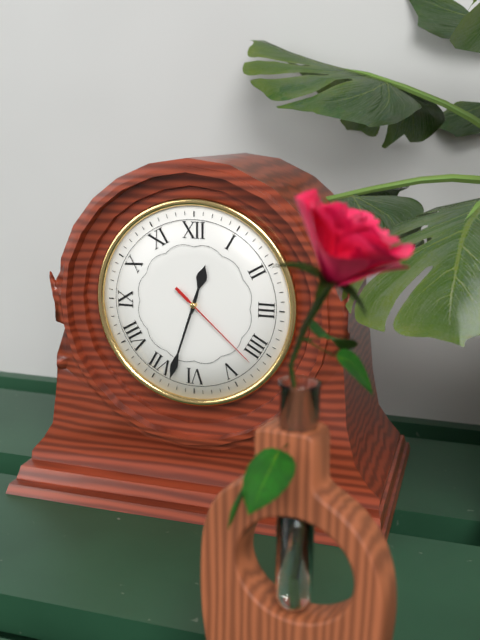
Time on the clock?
12:33:22
